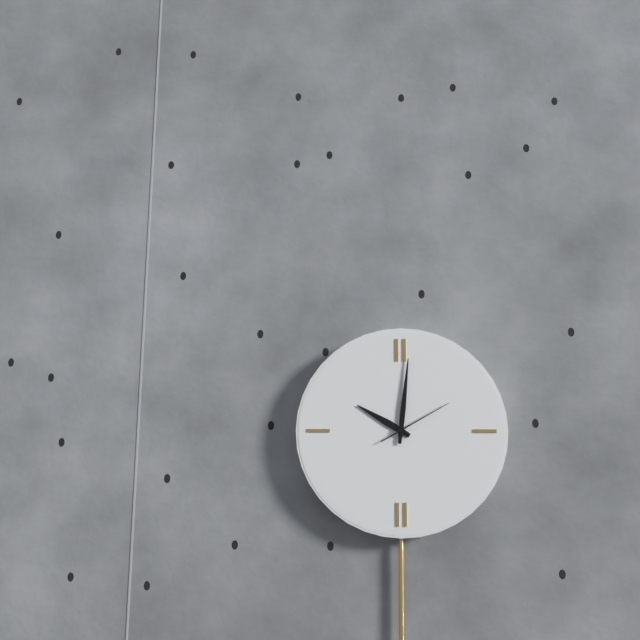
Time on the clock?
10:01:10
